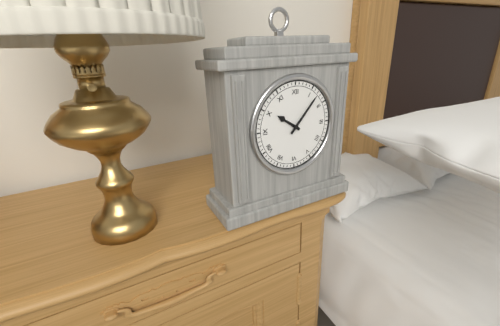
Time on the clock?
10:07
